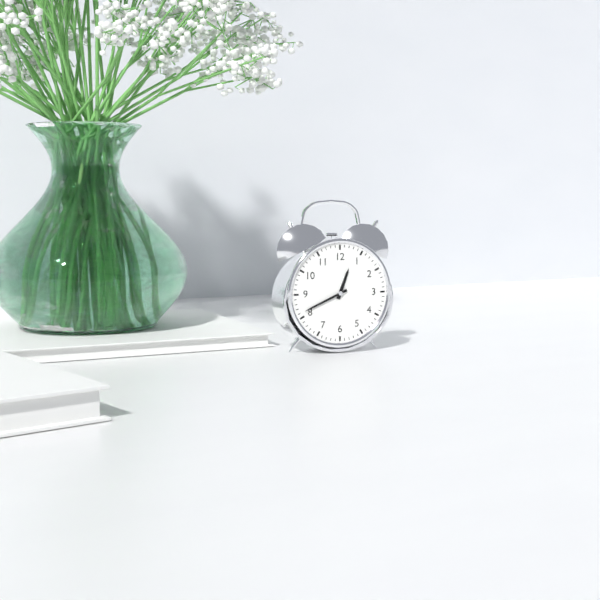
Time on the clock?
12:41
